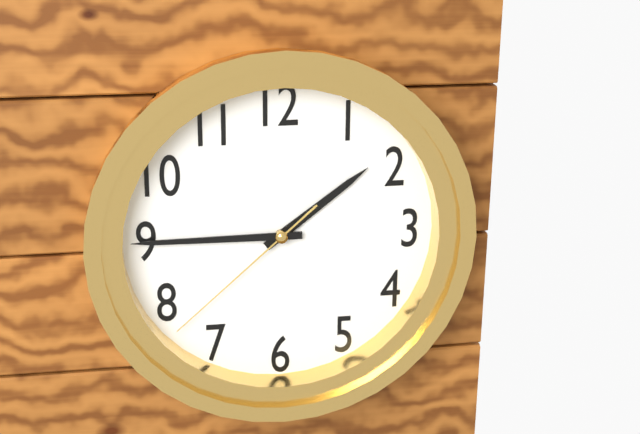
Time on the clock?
1:45:38
